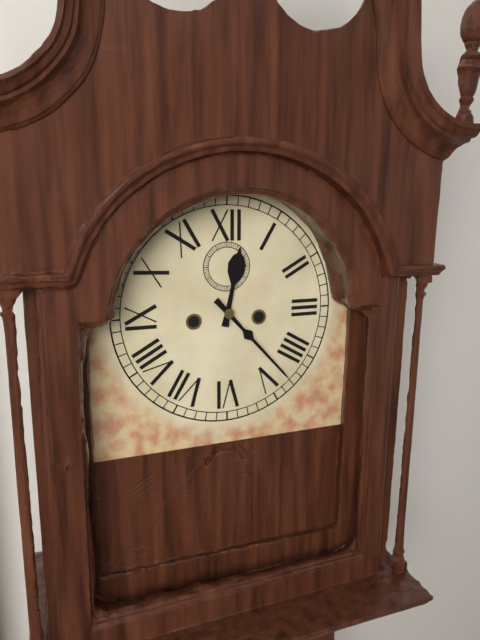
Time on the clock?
12:23
